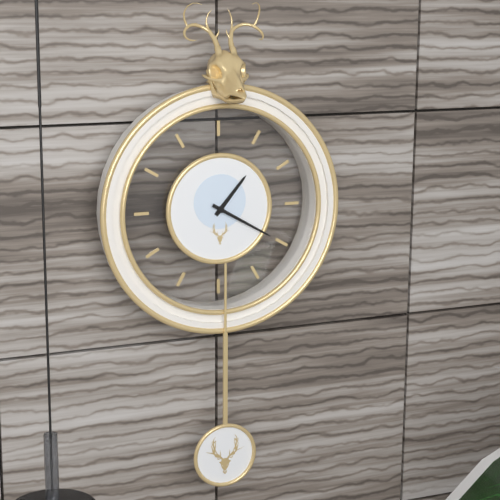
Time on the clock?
1:20
